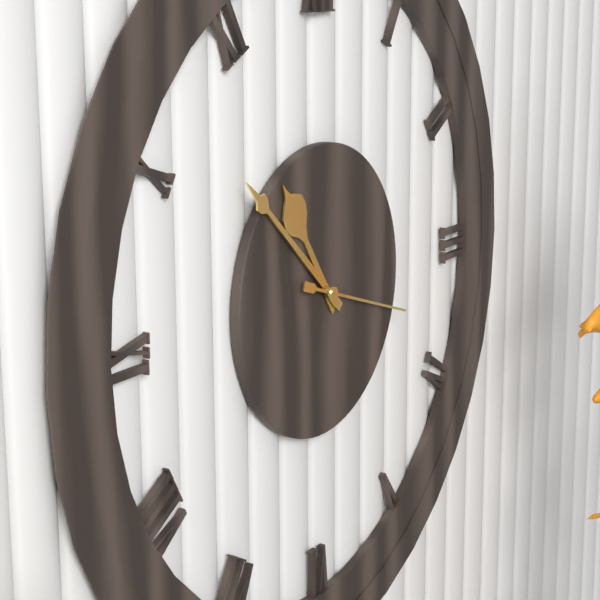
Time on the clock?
10:52:18
